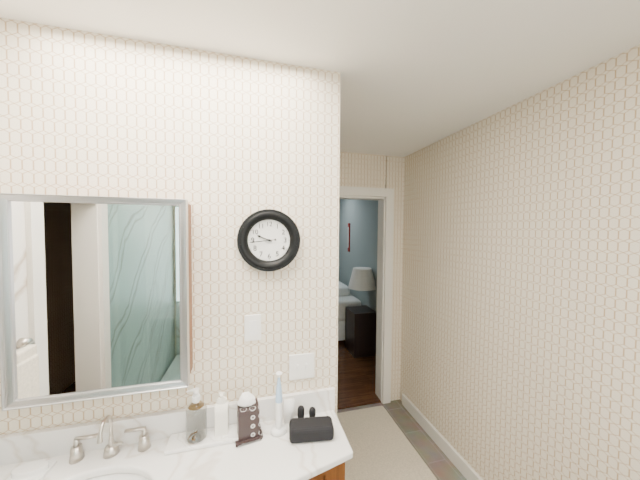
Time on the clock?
9:44
